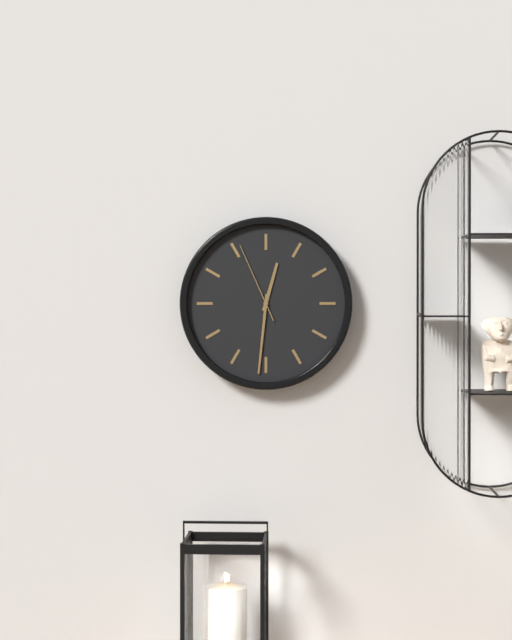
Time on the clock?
12:31:56
